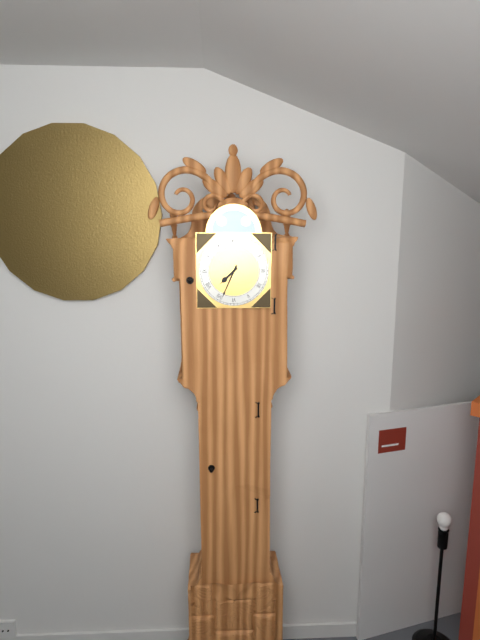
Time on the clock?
7:34
